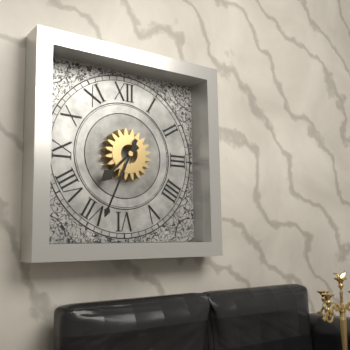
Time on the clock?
7:34
